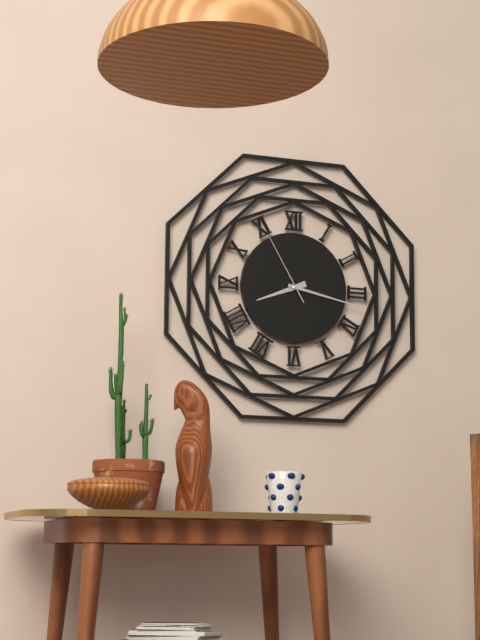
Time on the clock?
8:17:55
